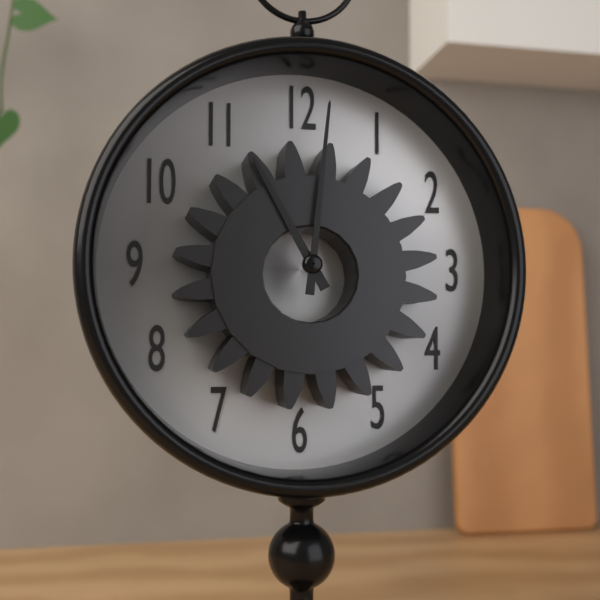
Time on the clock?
11:01
